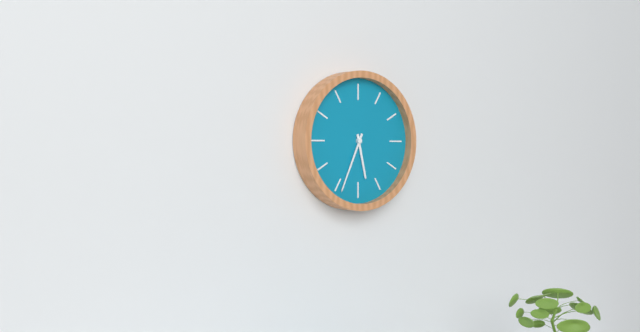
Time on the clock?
5:34
